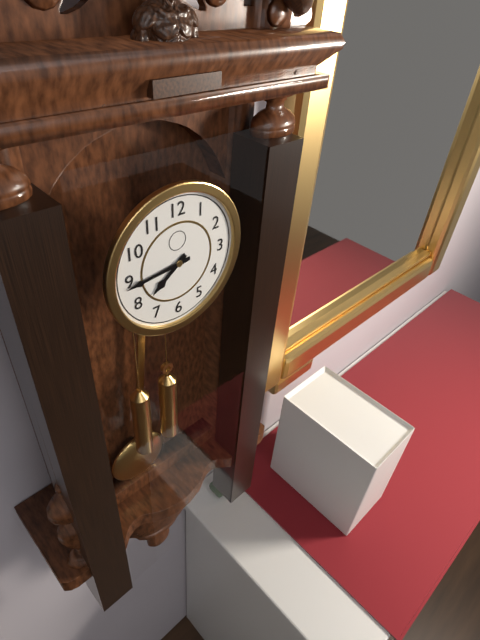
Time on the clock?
7:44
